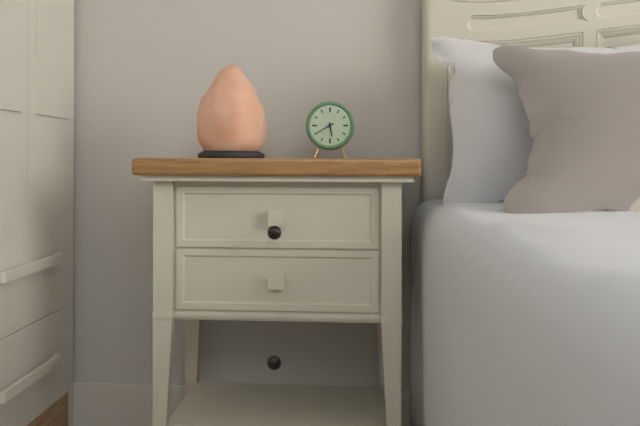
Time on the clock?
5:40
